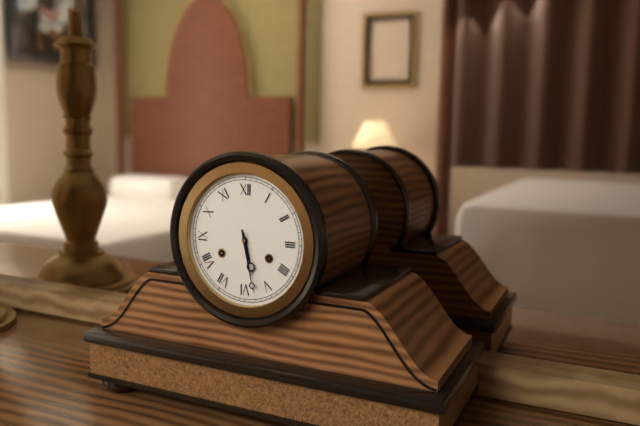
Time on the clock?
5:28
